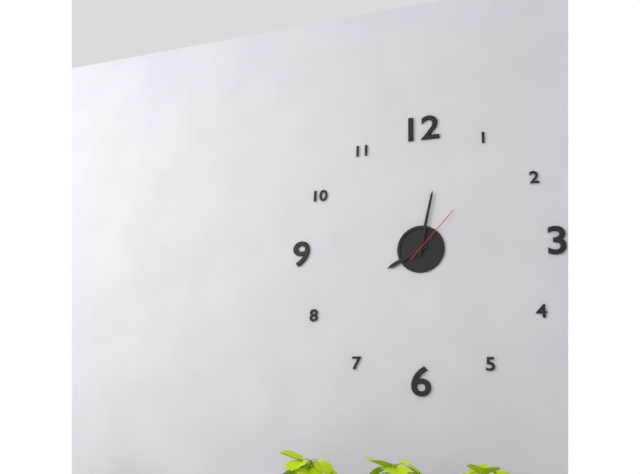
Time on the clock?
8:02:07
